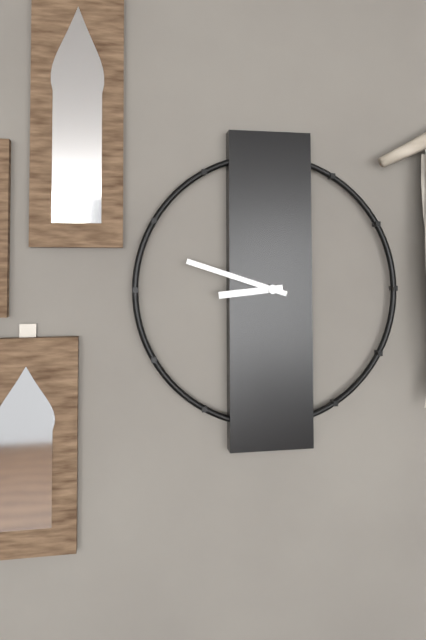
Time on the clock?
8:48
